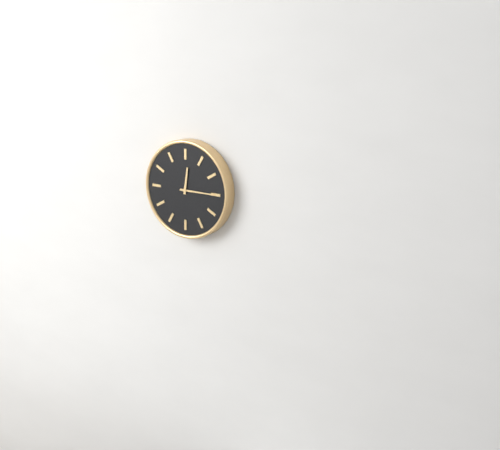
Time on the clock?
12:15
